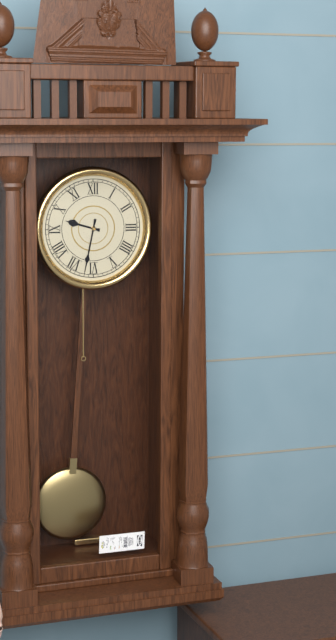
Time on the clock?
9:32
